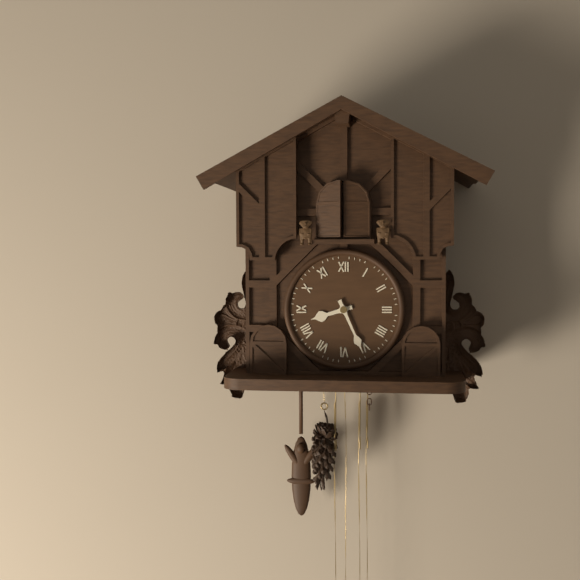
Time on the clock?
8:26
